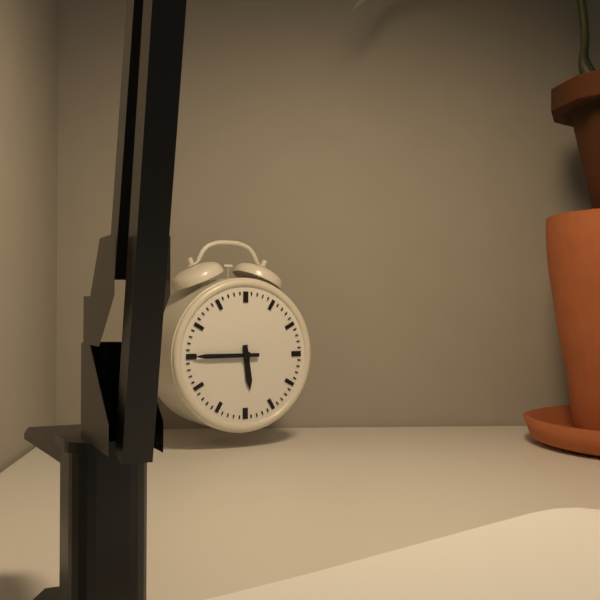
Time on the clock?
5:45
